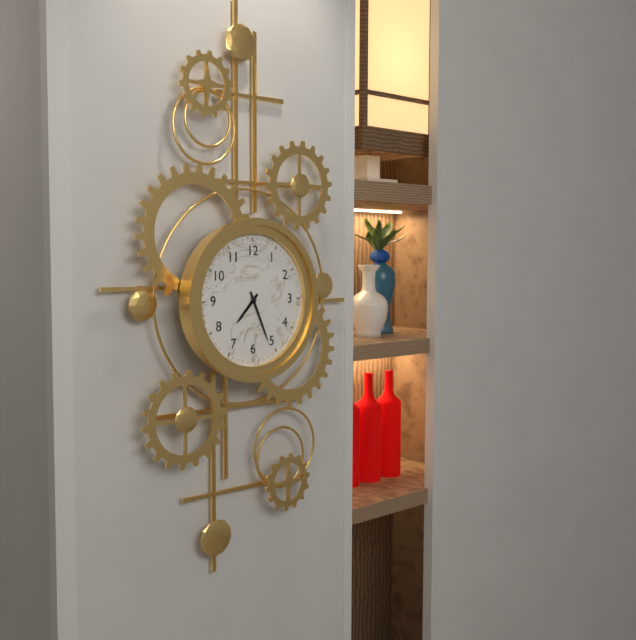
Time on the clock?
7:26
